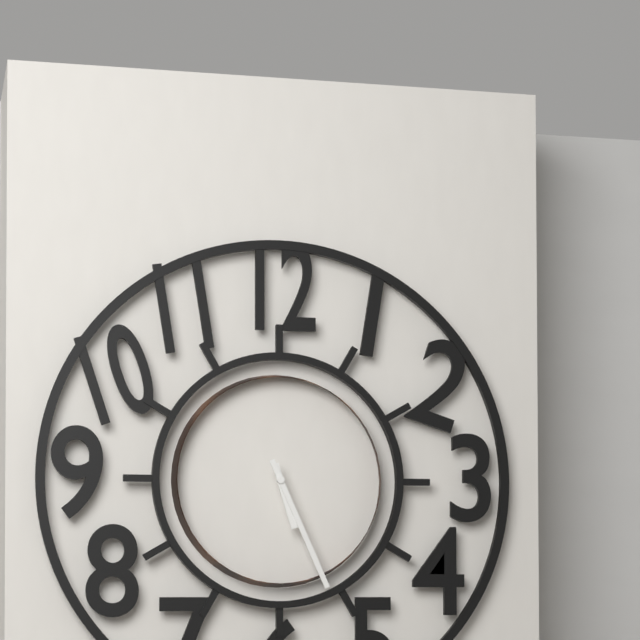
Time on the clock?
5:26
